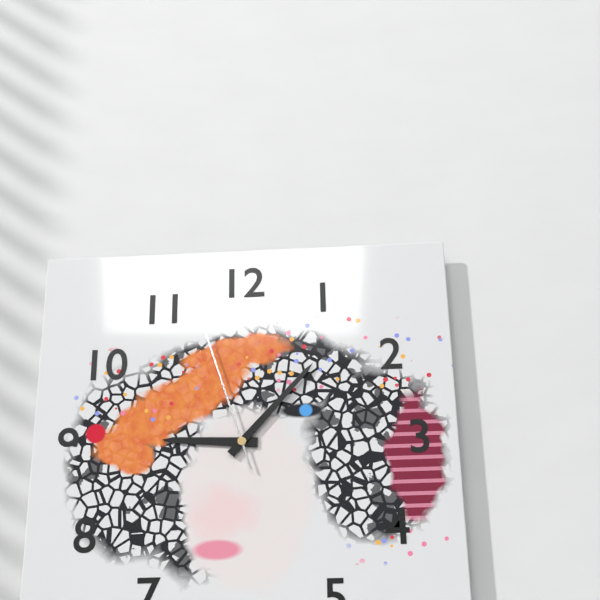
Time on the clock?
9:07:57
